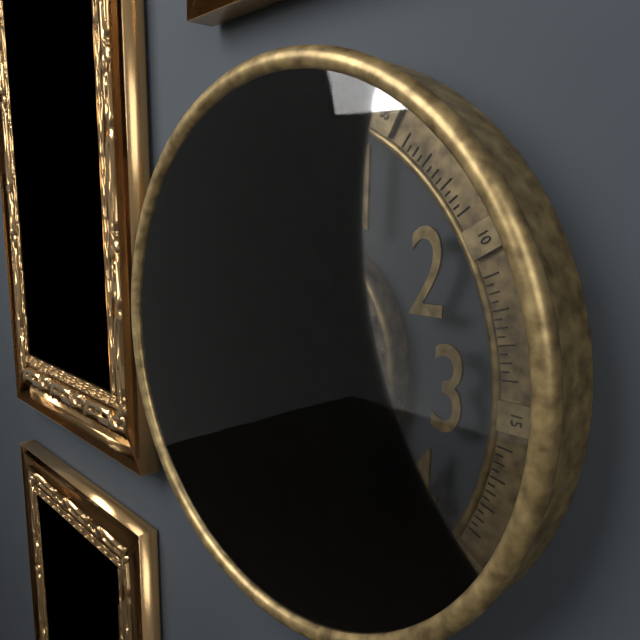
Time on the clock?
4:02
